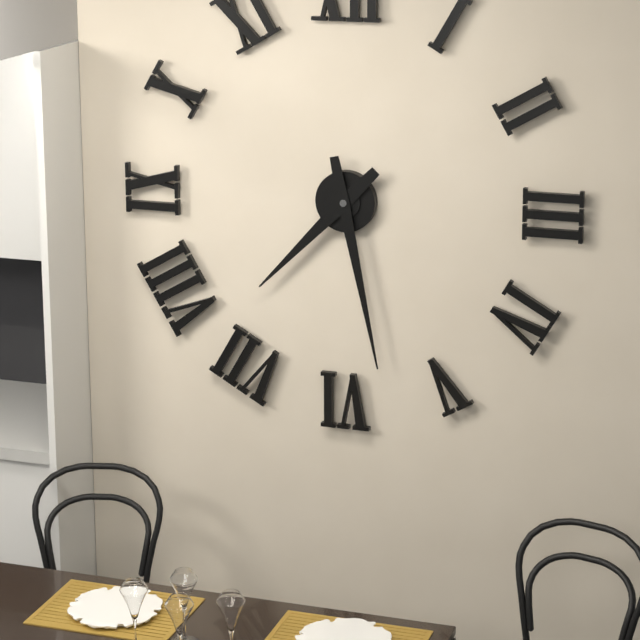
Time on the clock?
7:28
